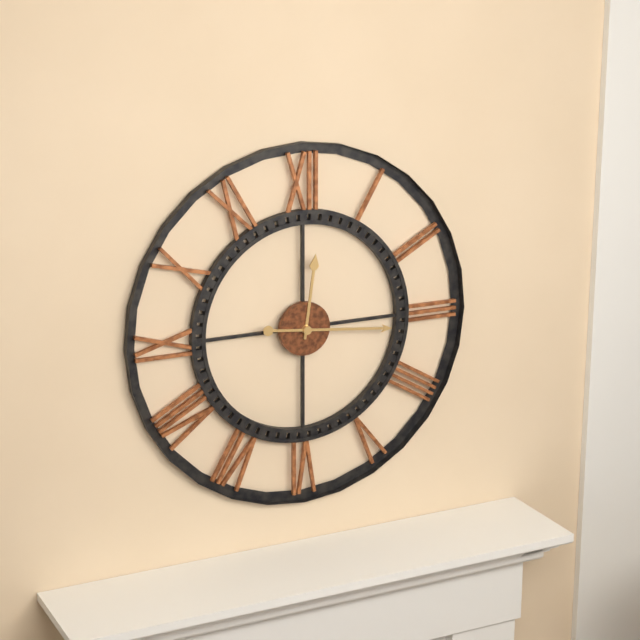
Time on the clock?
12:16
